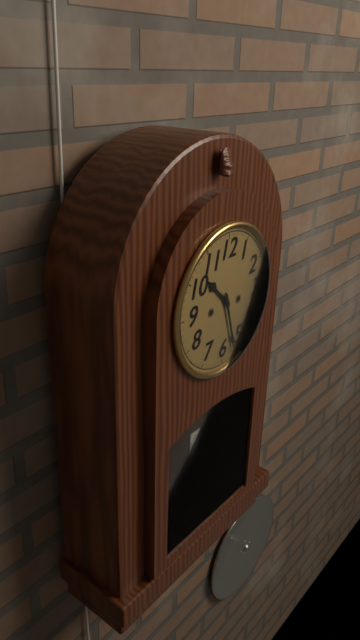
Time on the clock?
10:27
